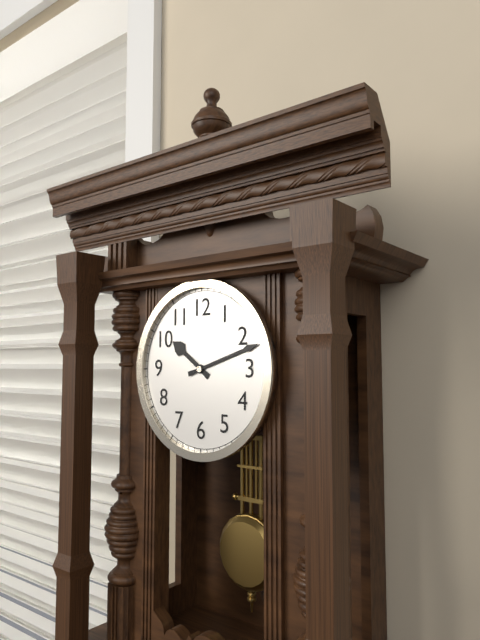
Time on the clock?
10:12
